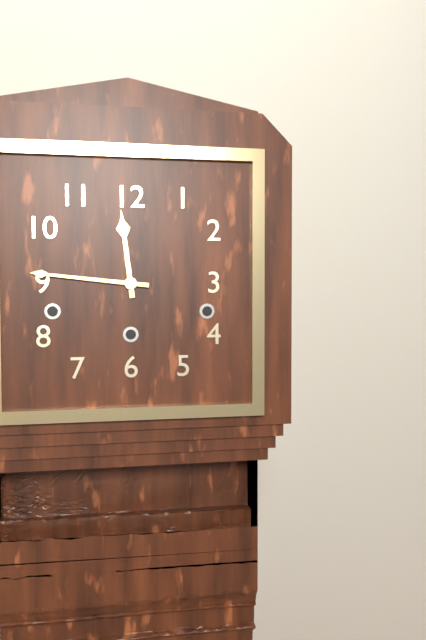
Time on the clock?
11:46
